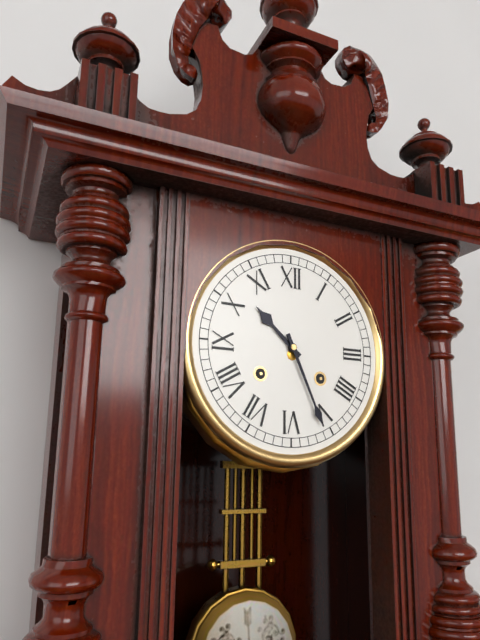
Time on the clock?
10:26
